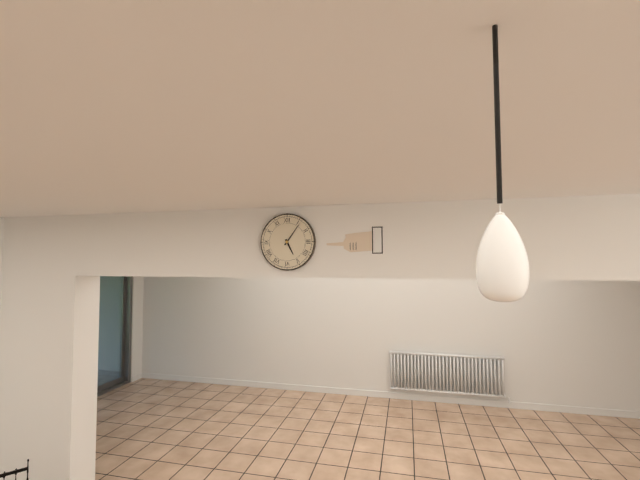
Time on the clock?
5:06
